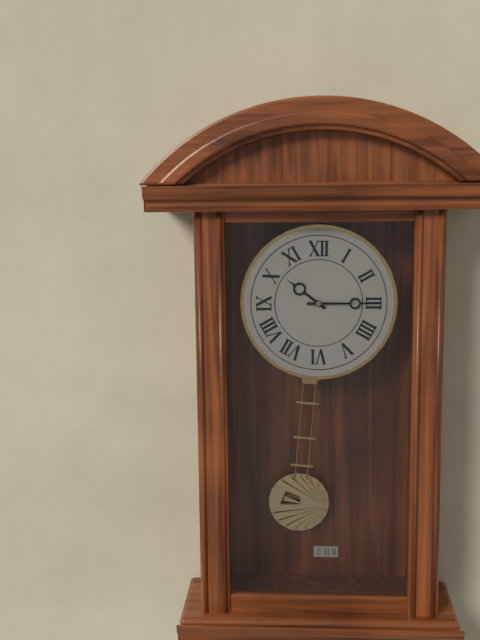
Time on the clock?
10:15
